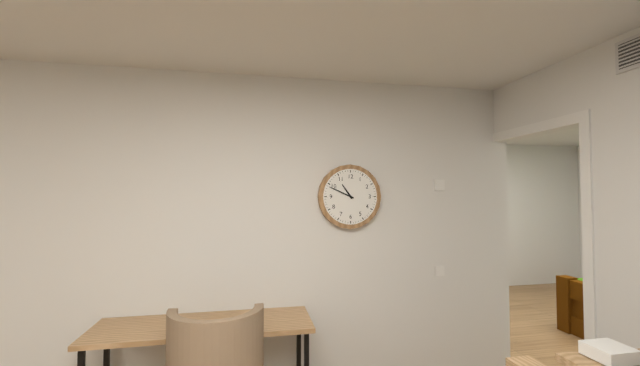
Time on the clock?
10:49
